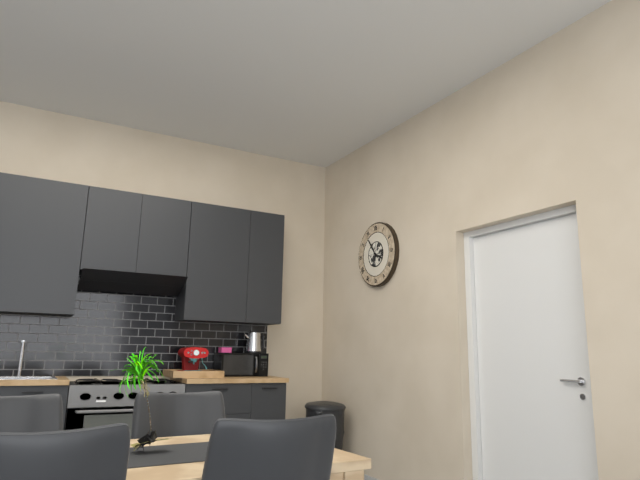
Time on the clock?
3:54
